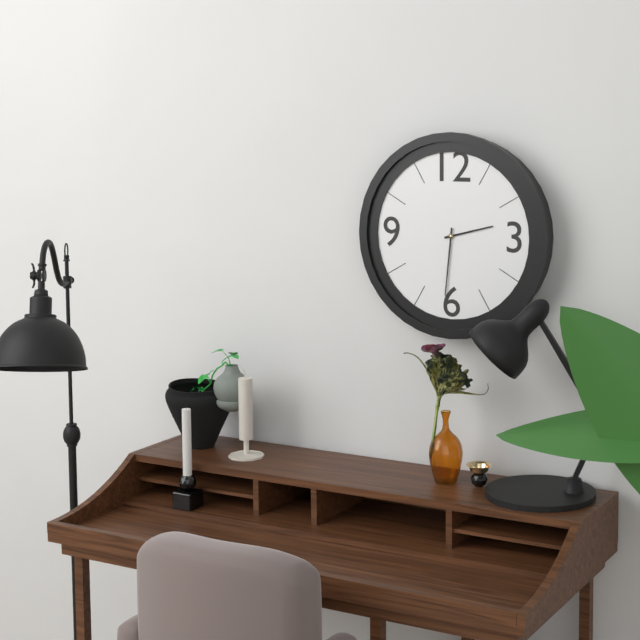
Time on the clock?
2:31
